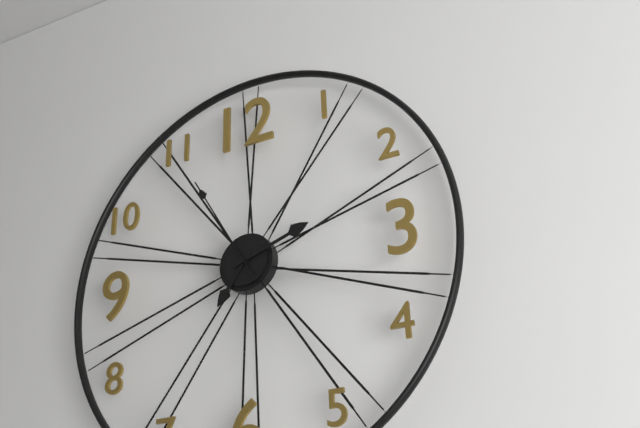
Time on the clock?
7:12:55
